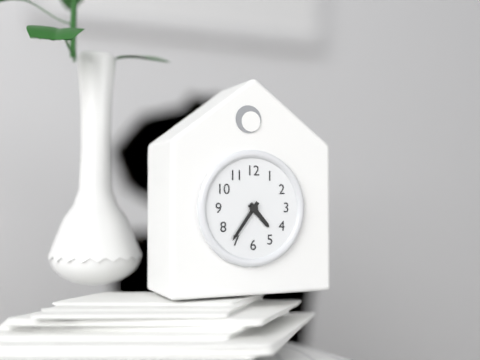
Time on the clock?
4:36
